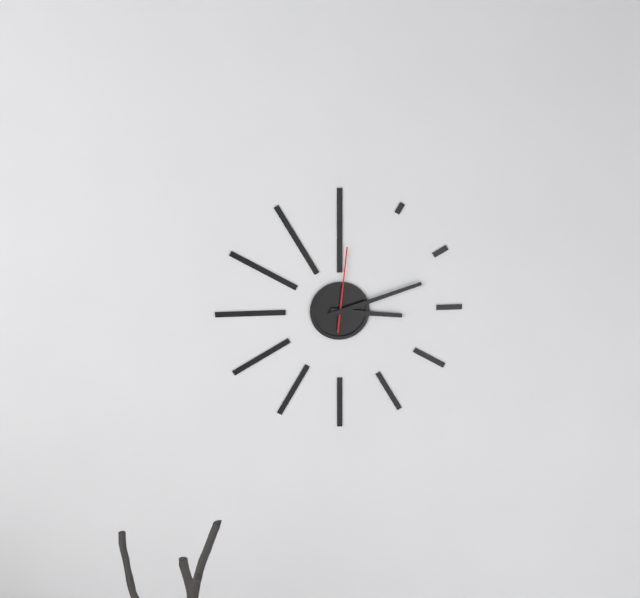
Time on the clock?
3:12:01
